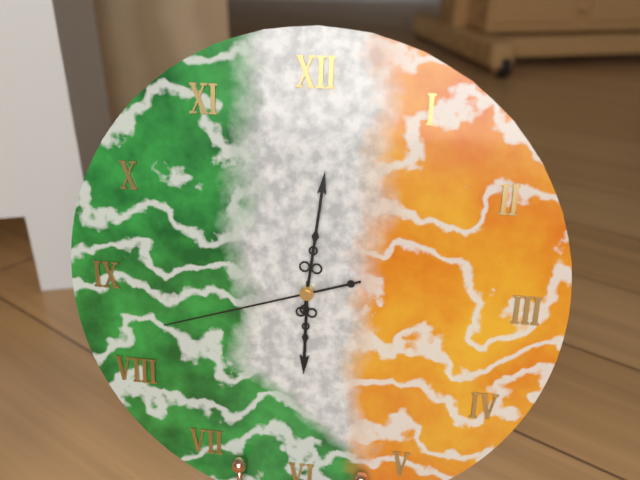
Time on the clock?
6:01:42
